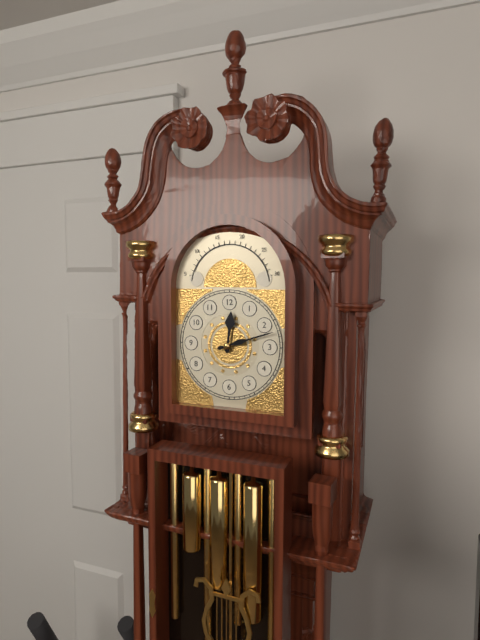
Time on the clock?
12:12
